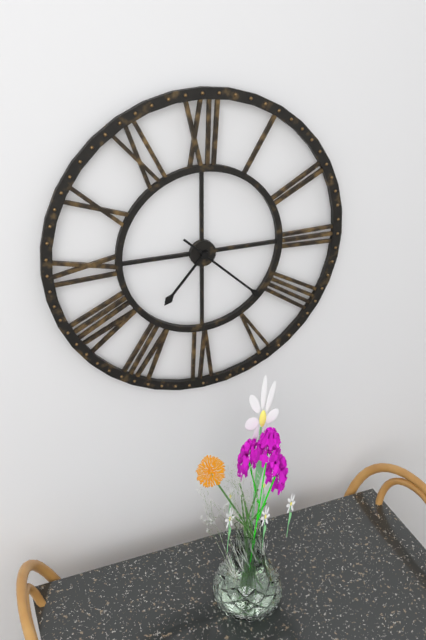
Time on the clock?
7:22
